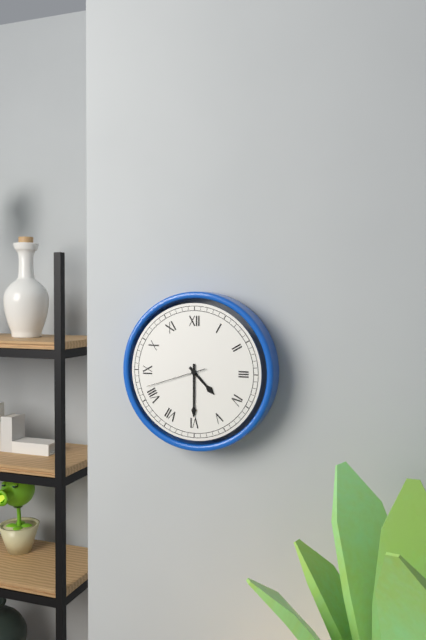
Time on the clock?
4:30:42
